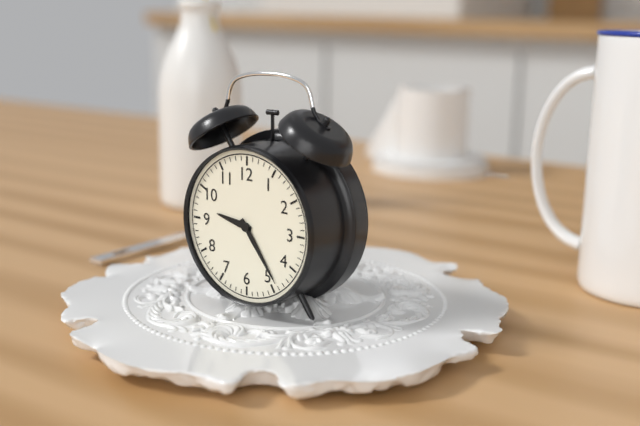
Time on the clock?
9:24
